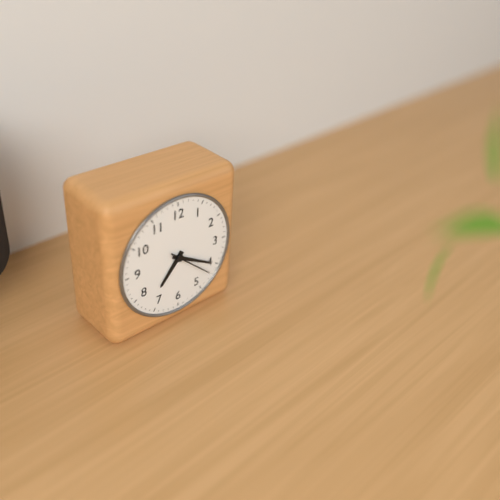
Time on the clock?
7:20
